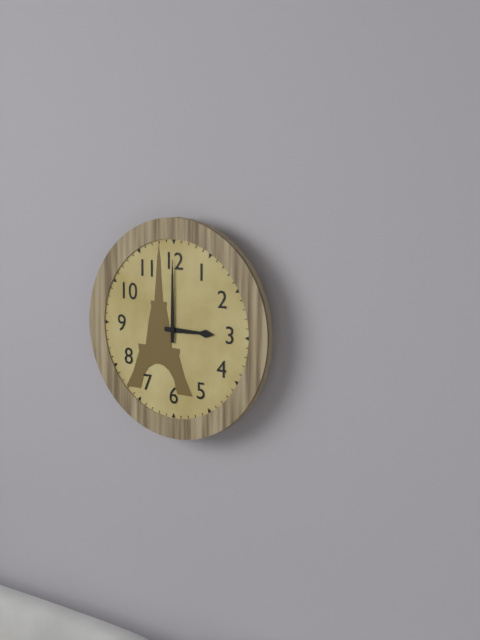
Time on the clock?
3:00
